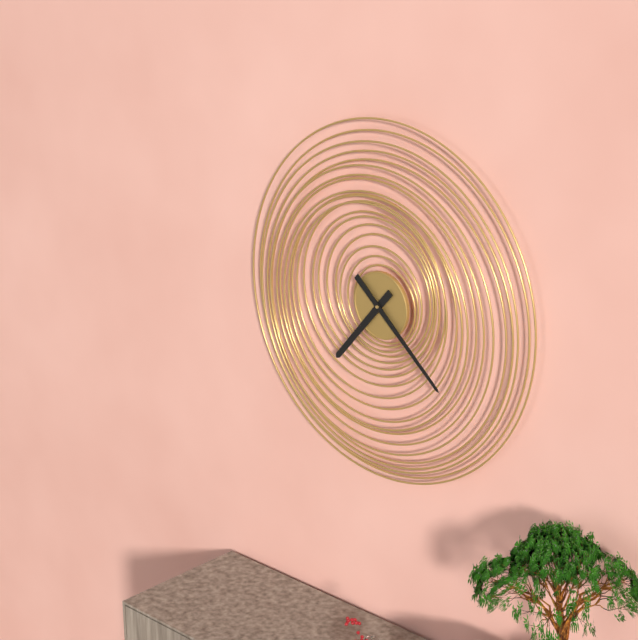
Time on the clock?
7:22
